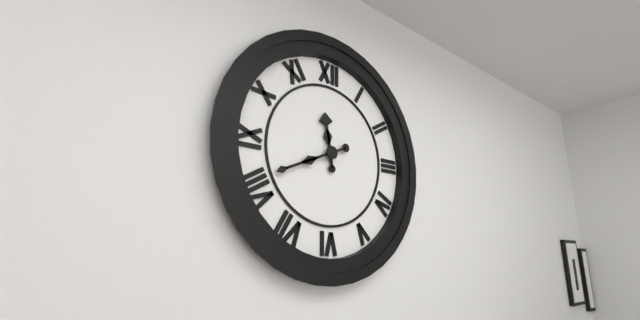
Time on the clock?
11:41
